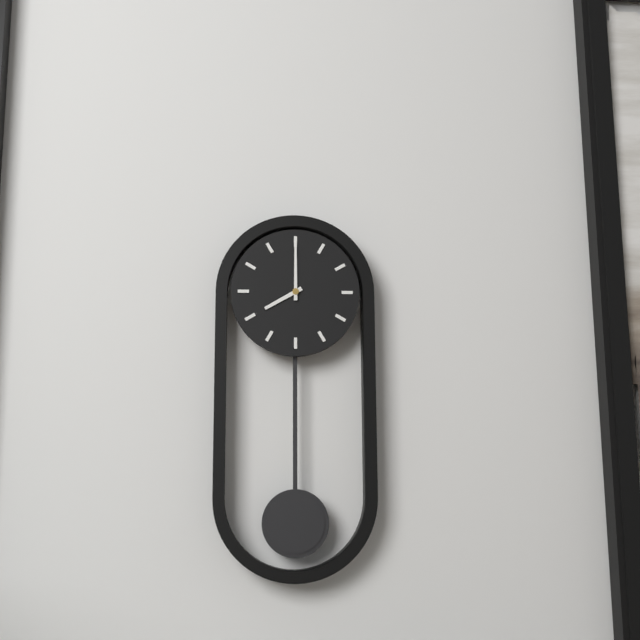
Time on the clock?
8:00
